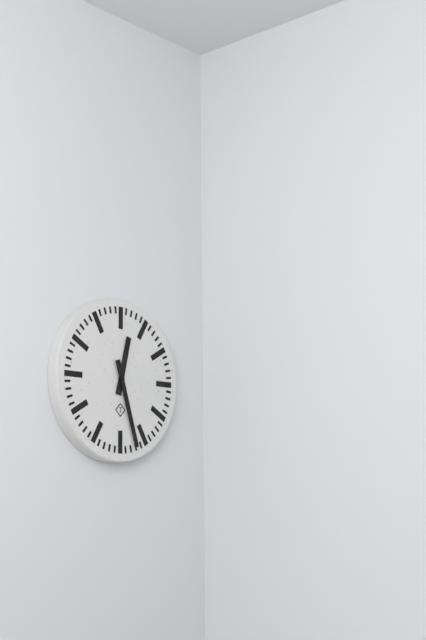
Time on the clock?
12:27
